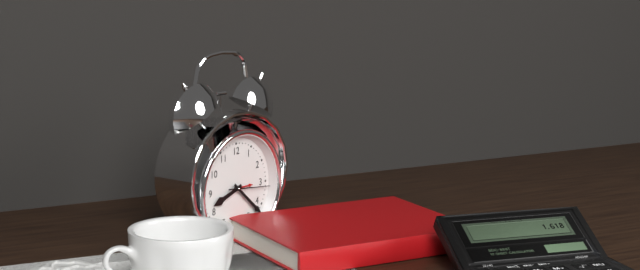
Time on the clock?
8:22
